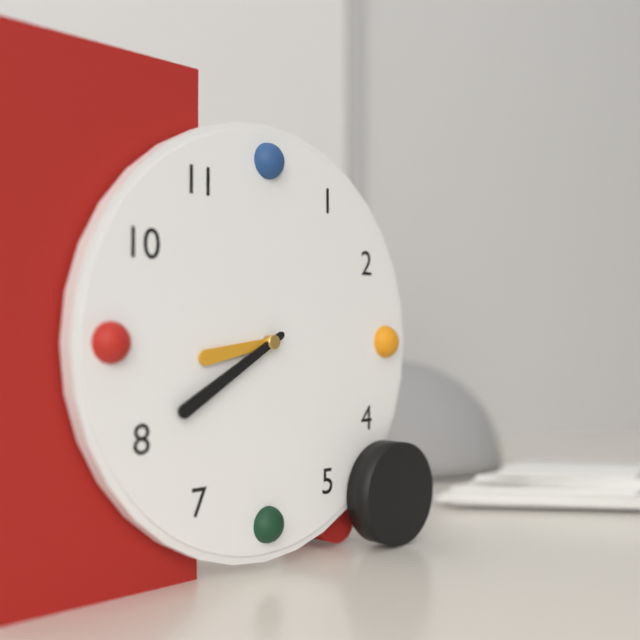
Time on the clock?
8:40
